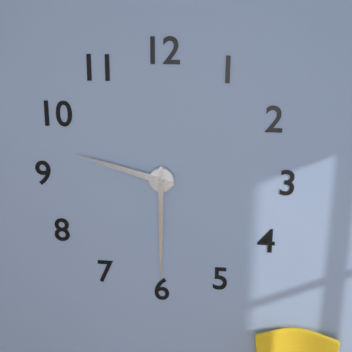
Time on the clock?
9:30
